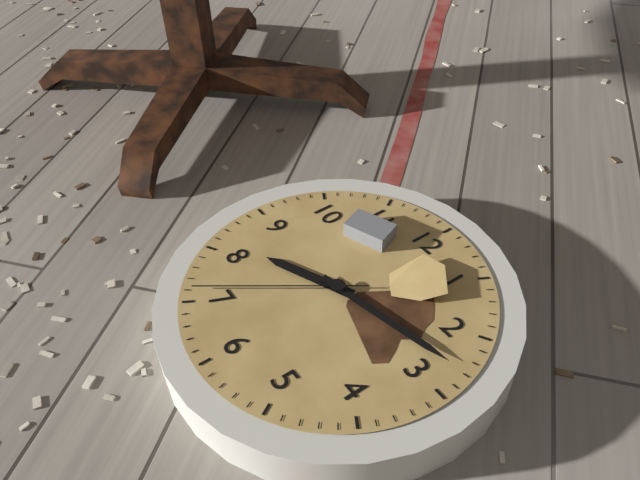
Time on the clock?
8:13:36
